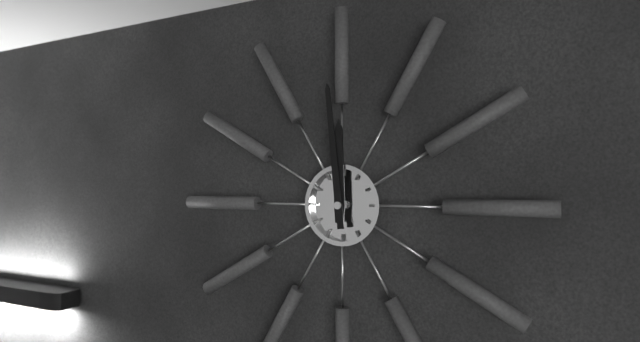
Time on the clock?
11:59
